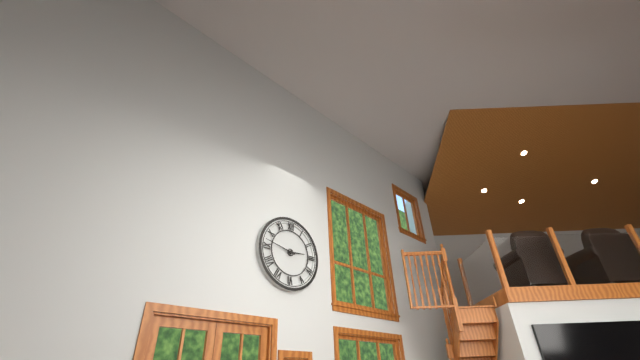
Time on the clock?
2:47
